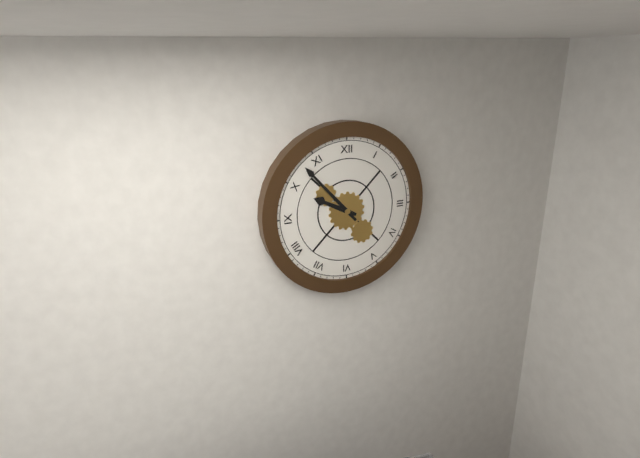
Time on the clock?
9:53
